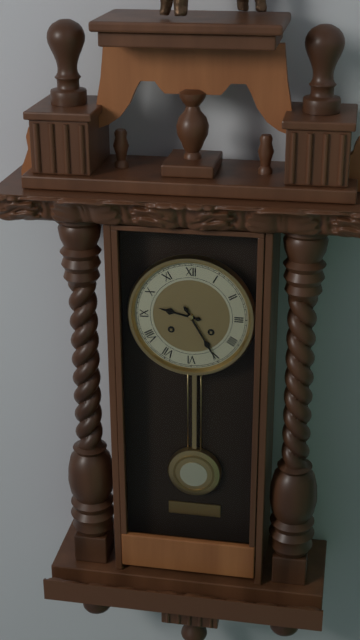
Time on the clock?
9:25
